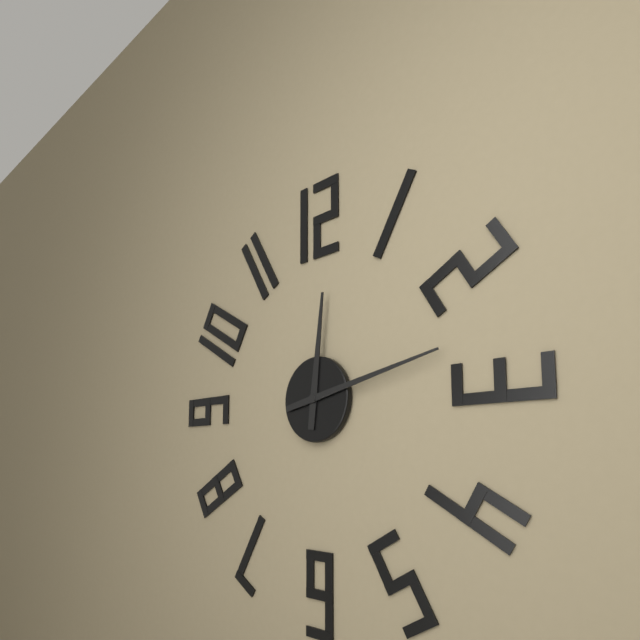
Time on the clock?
12:13
